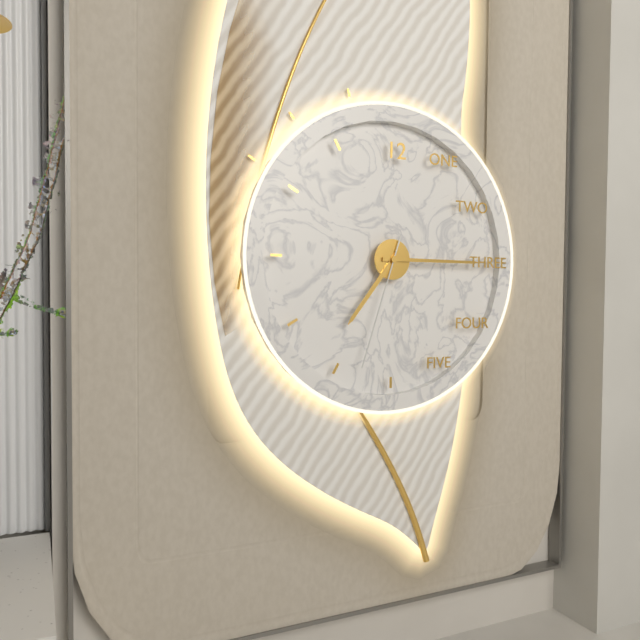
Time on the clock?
7:15:33
